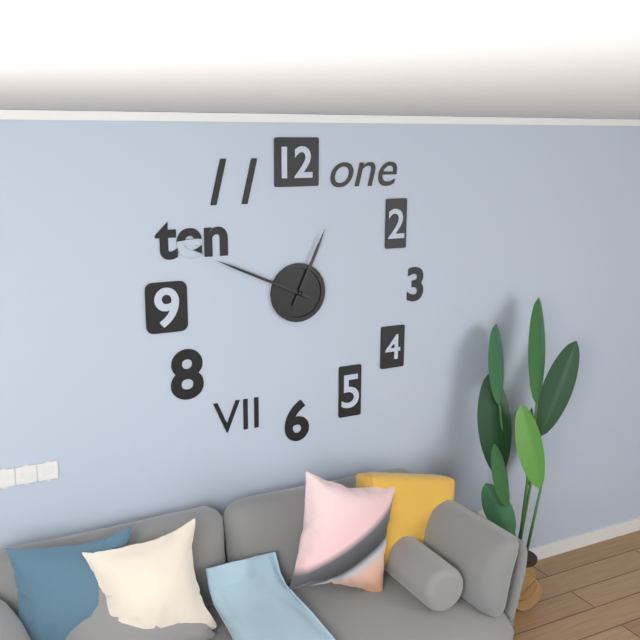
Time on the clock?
12:49
